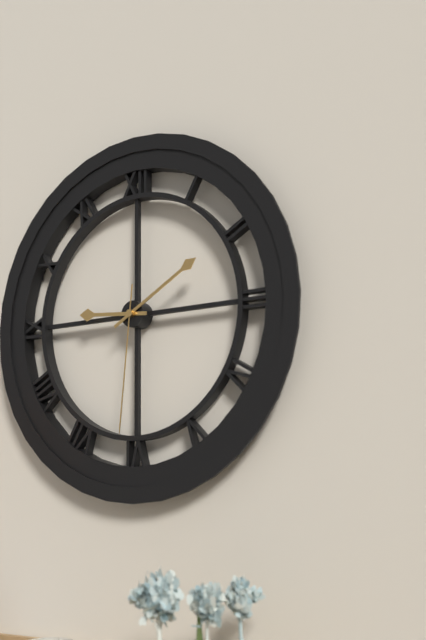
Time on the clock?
9:10:31
